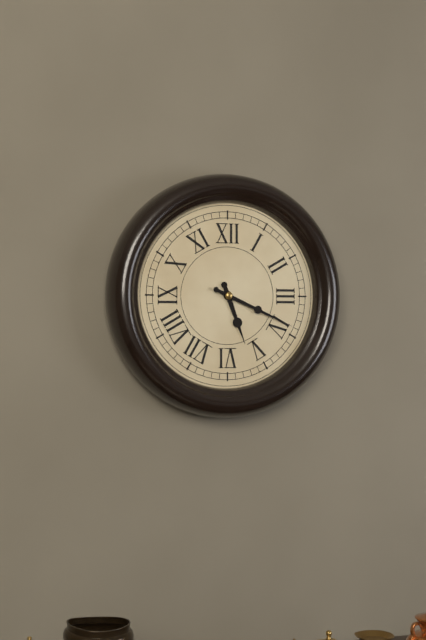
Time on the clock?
5:19
